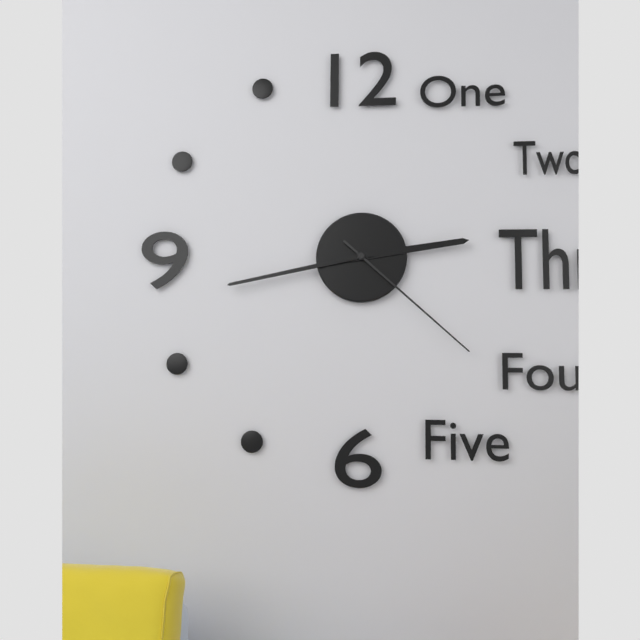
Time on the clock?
2:43:22
